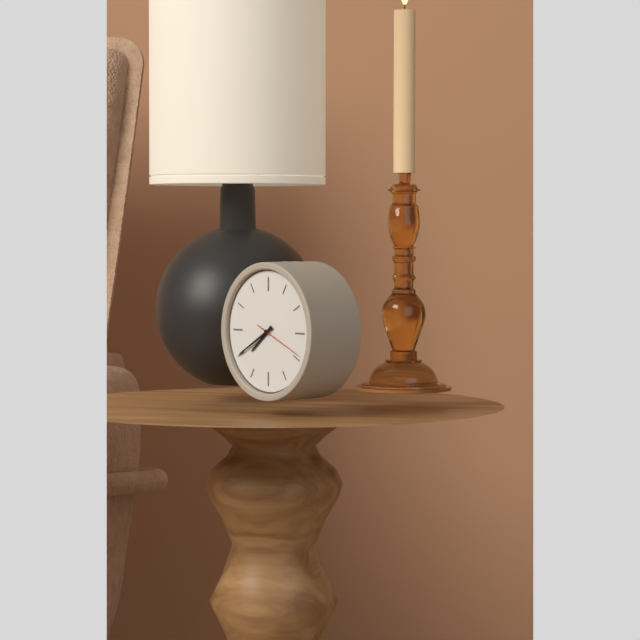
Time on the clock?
7:40
